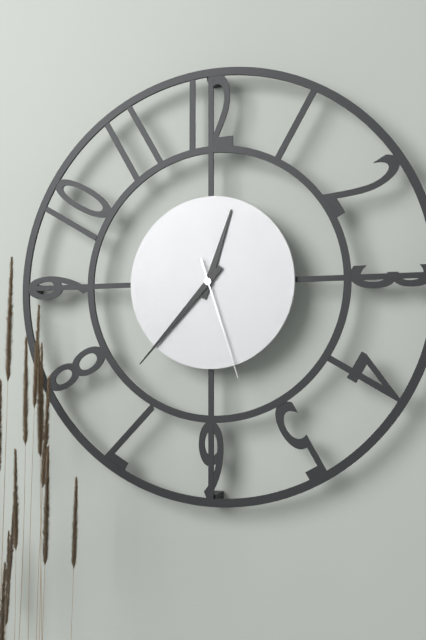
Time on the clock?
12:37:27
